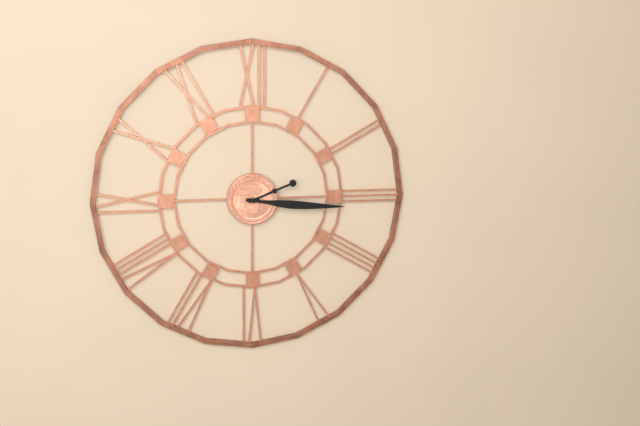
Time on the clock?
2:16
